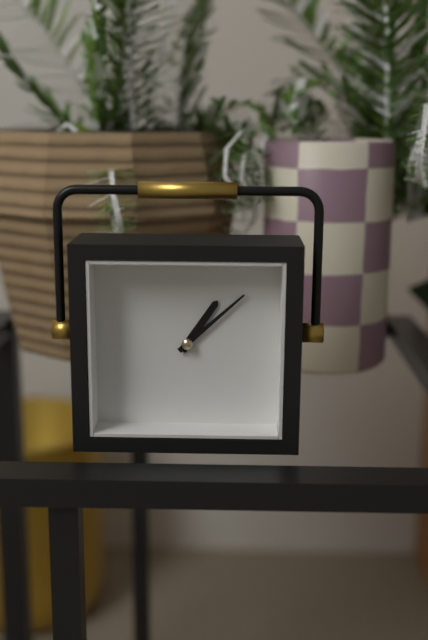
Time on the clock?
1:08
